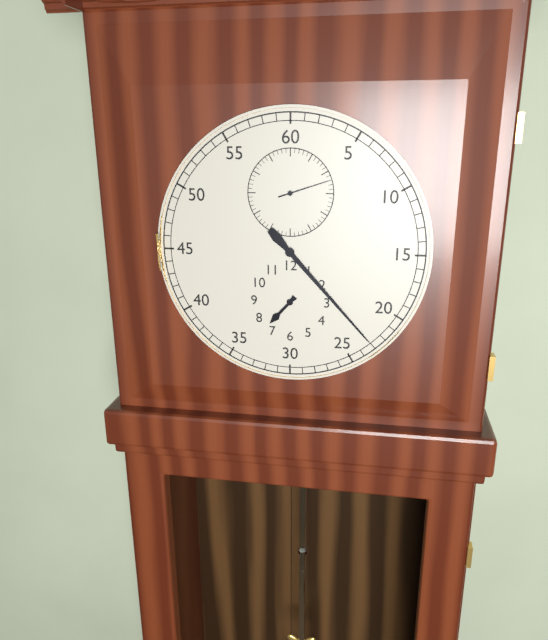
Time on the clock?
7:23:12
